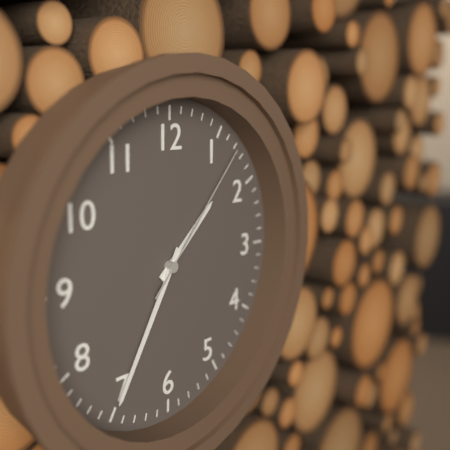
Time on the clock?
1:35:07
